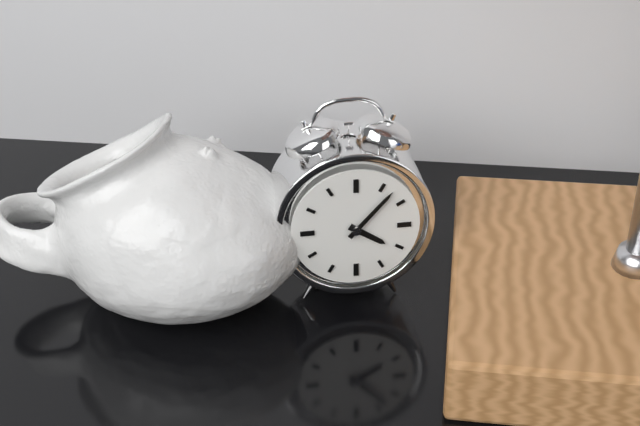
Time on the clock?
4:07
